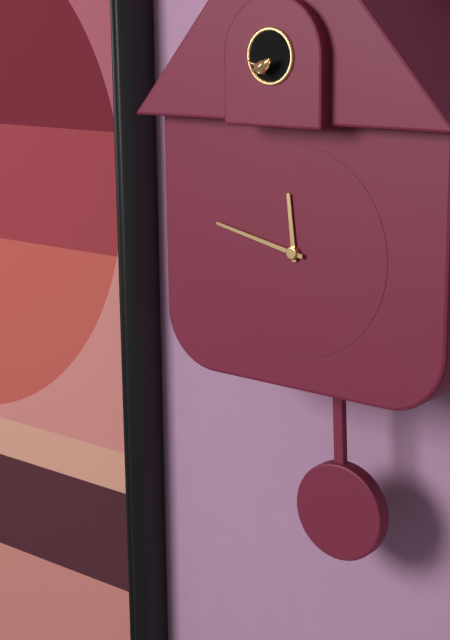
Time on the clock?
11:47
